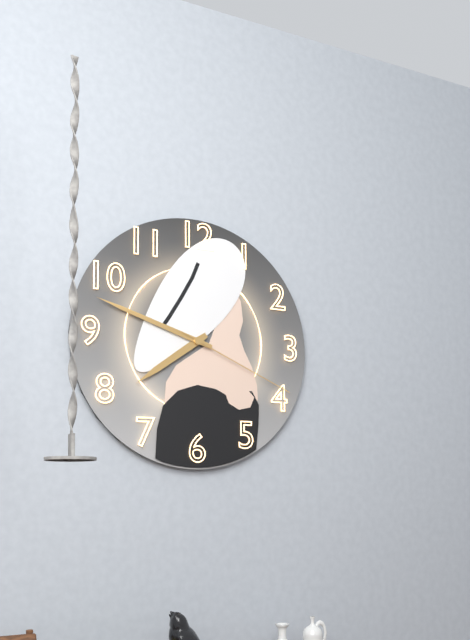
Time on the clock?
7:48:19
